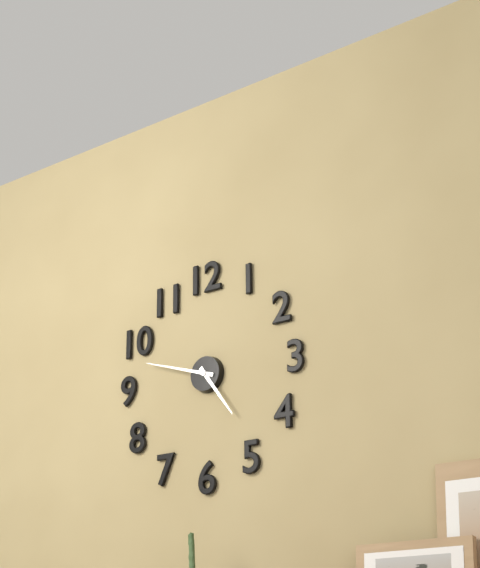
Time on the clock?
4:48
